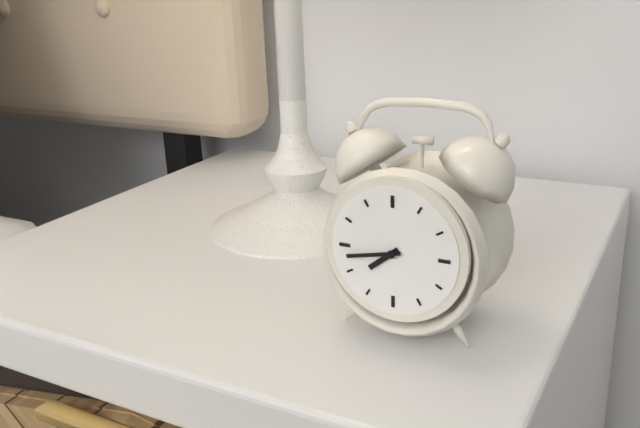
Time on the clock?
7:43
